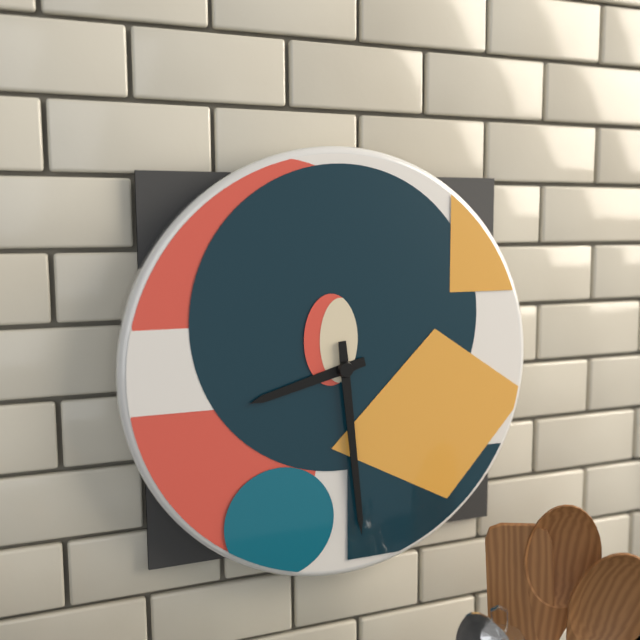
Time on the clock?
8:29
